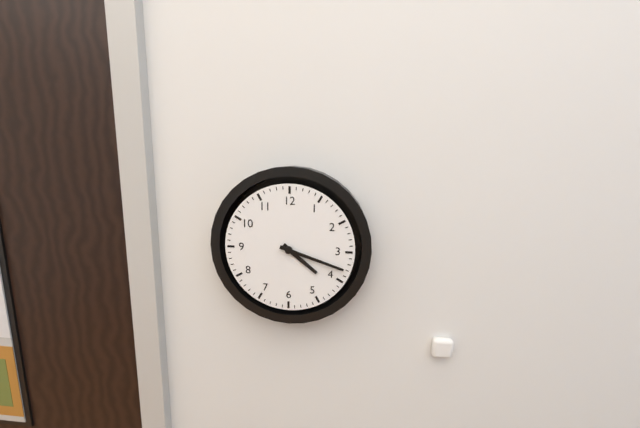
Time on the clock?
4:18
